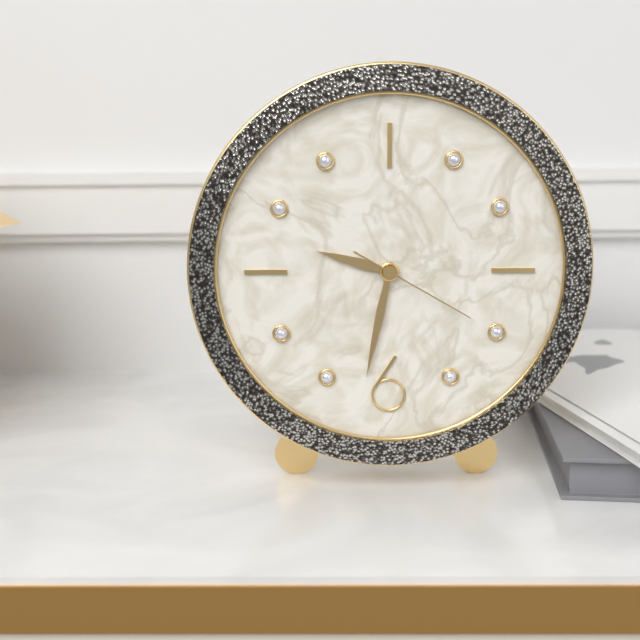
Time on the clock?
9:32:20
